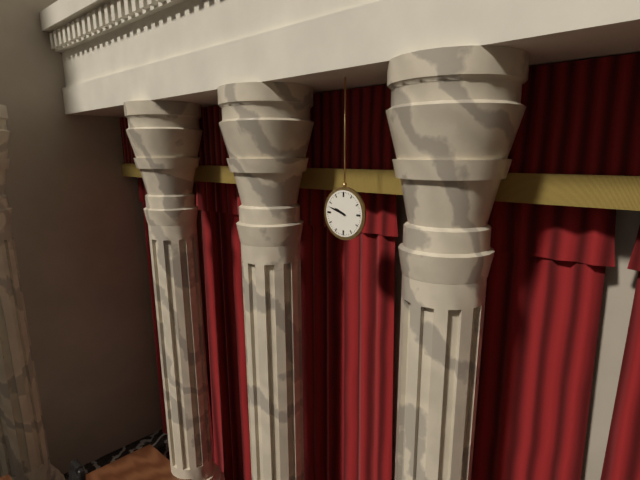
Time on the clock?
9:48
